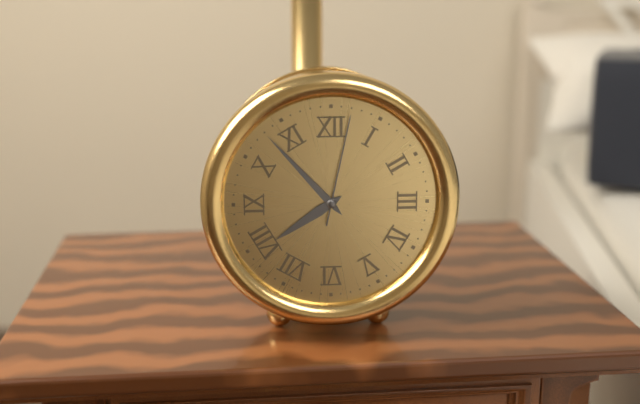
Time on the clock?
7:53:02
